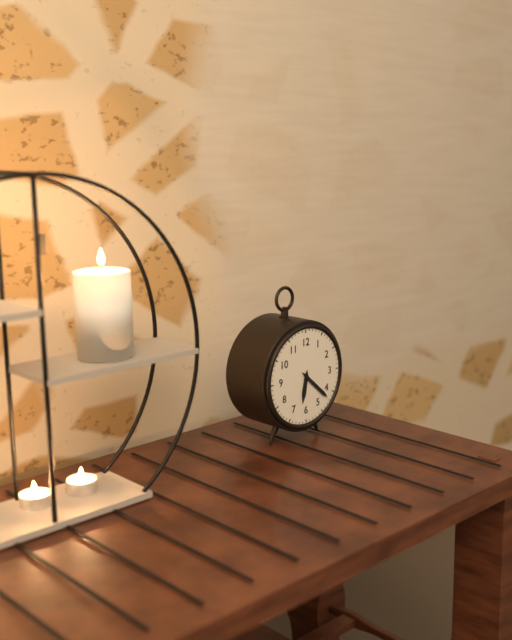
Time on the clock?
6:22
